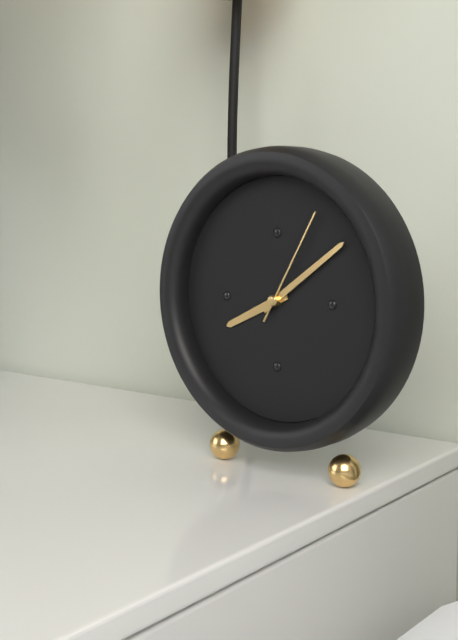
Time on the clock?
8:09:05
